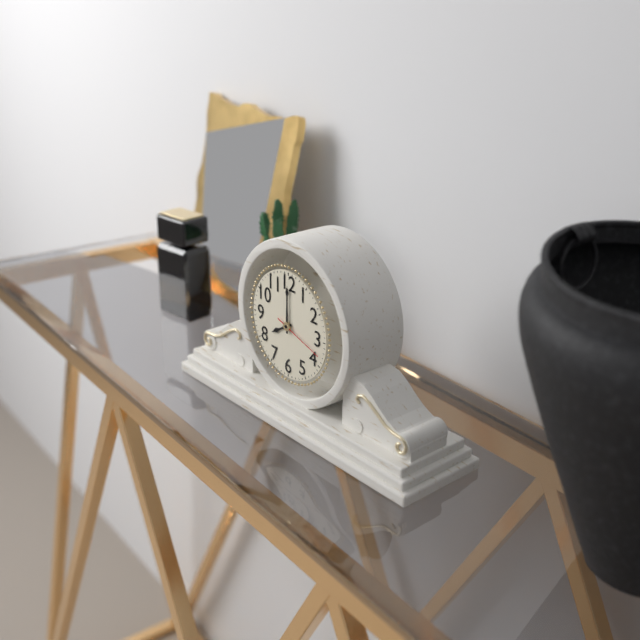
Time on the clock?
8:00:18
